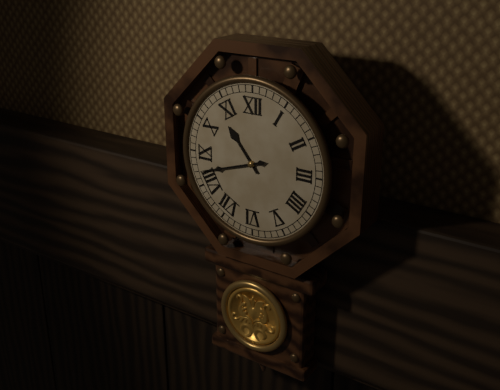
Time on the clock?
10:42
